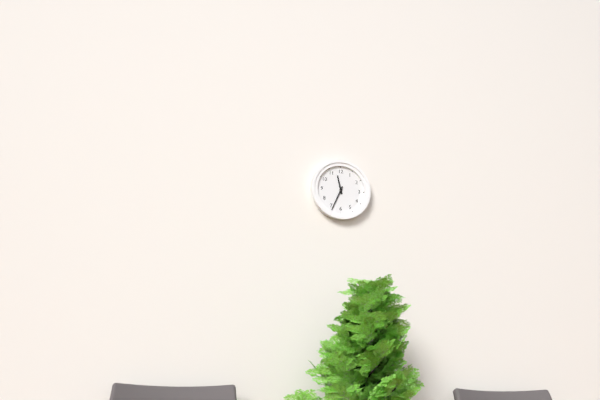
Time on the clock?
11:34
